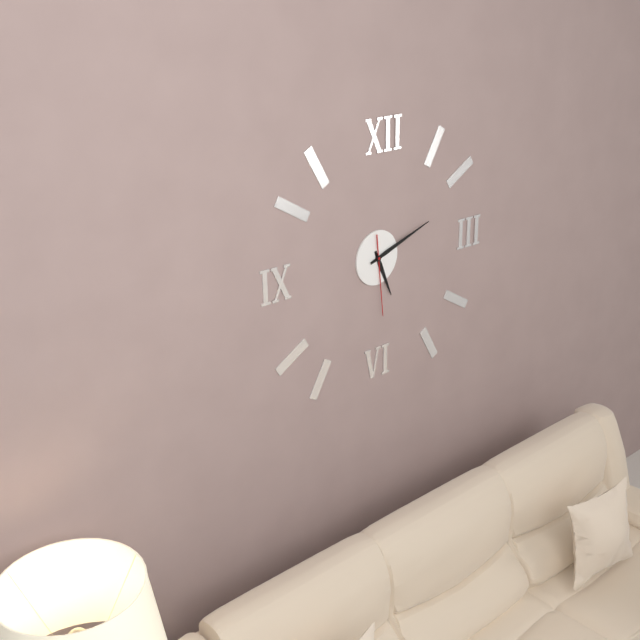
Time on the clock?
5:12:29
